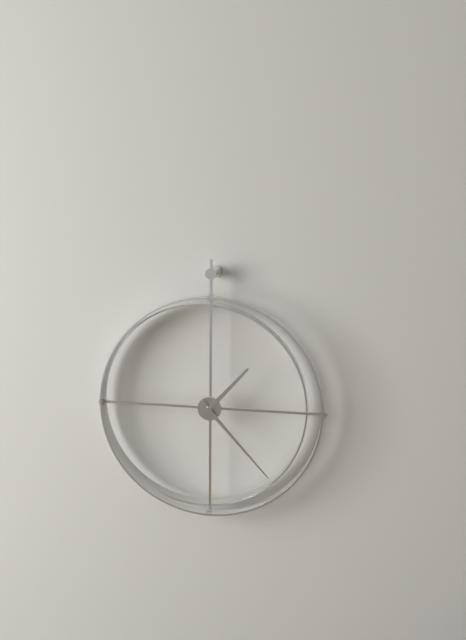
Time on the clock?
1:23
